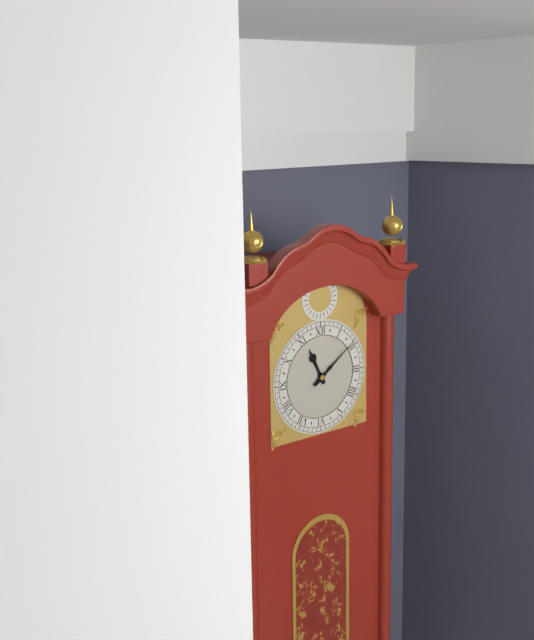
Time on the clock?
11:09
